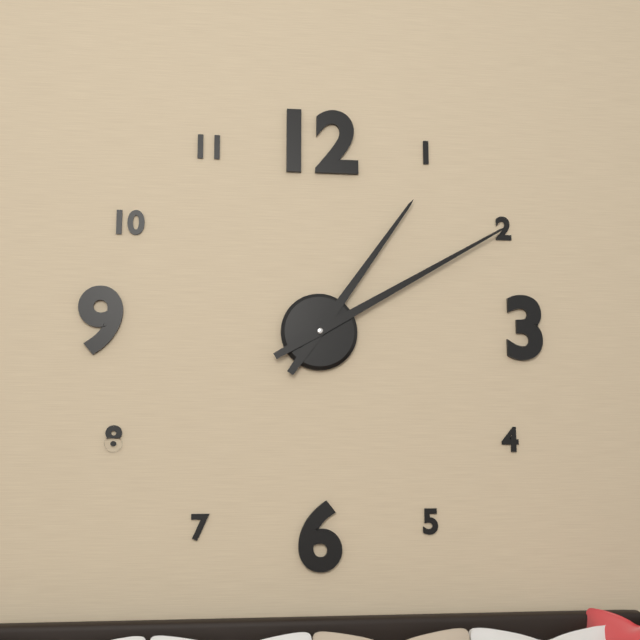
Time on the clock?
1:10
